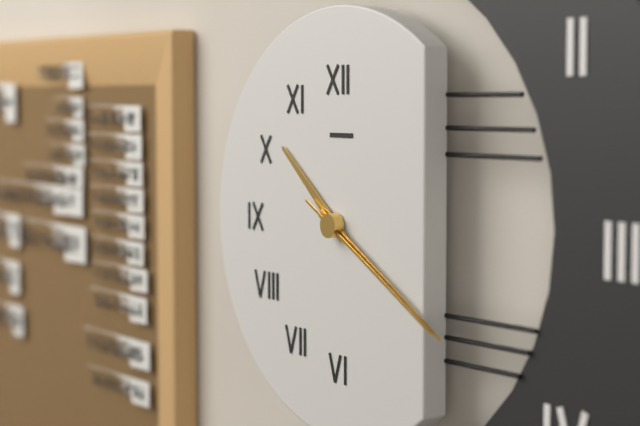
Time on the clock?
10:20:20
